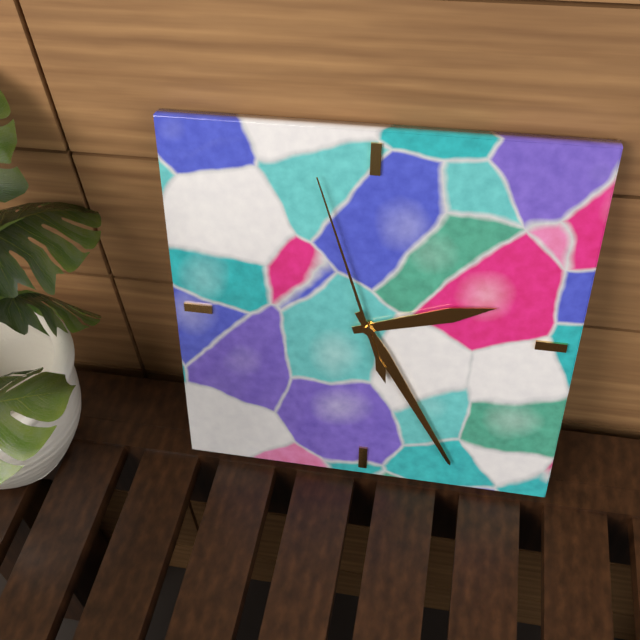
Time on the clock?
2:25:57
